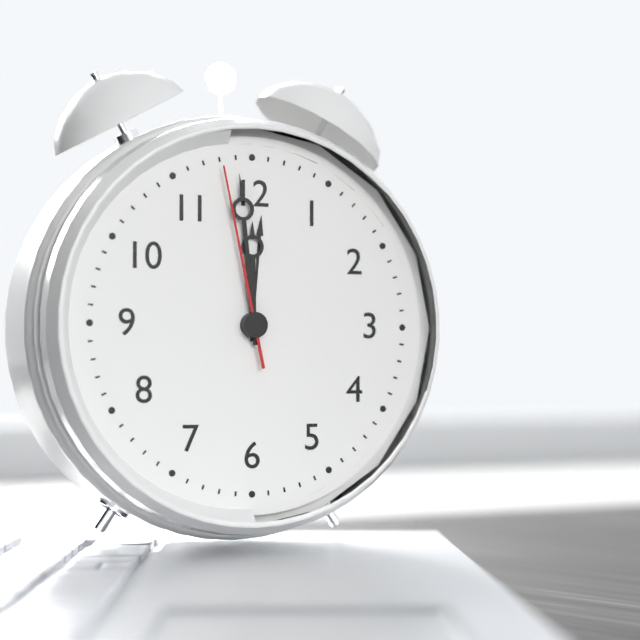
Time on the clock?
11:59:58
